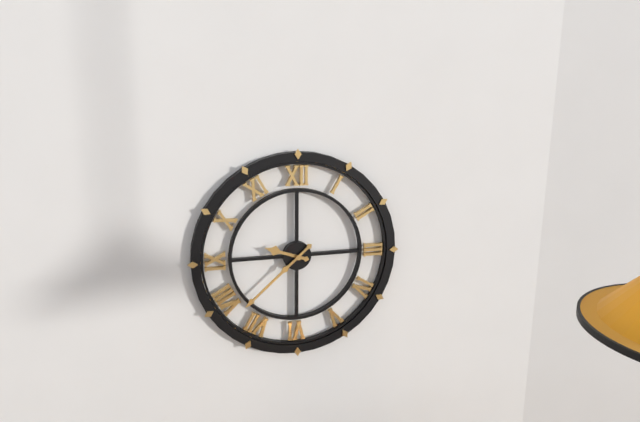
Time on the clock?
9:38
